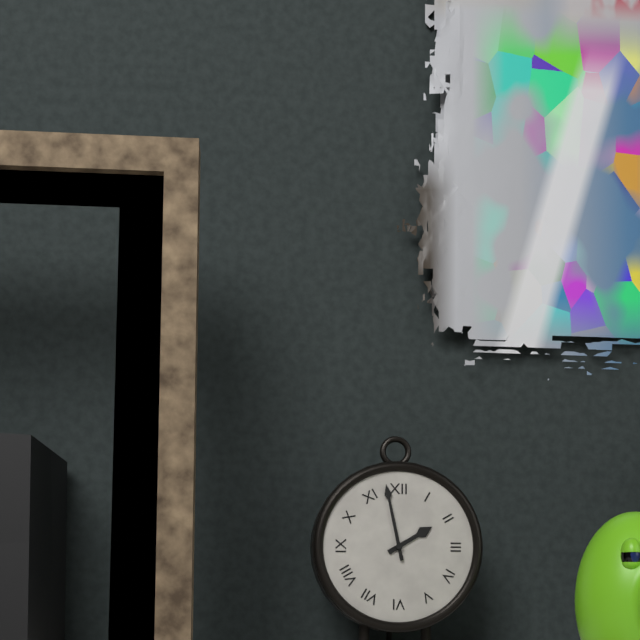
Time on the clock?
1:58
